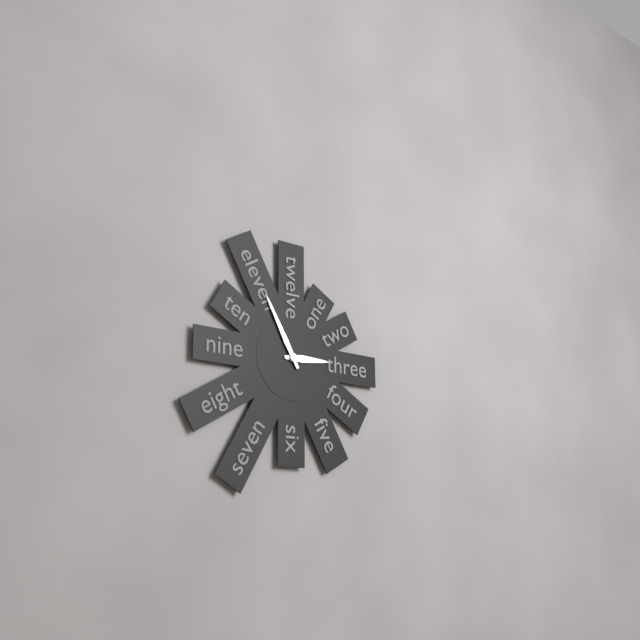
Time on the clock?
2:55
